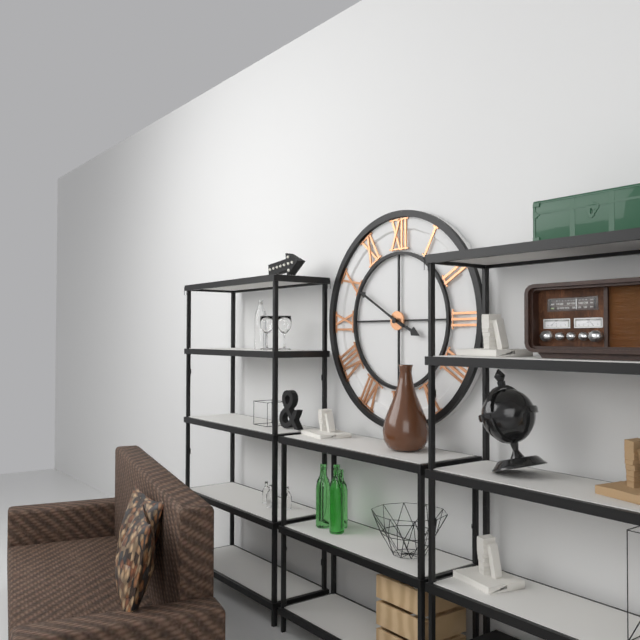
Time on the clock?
3:50
